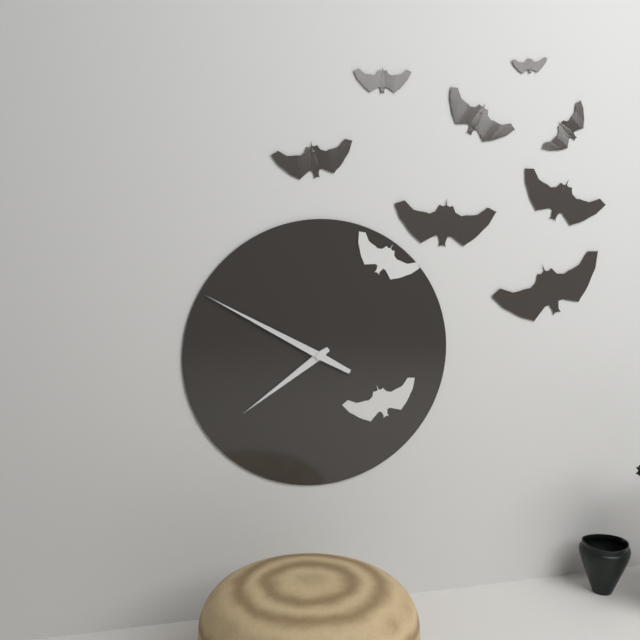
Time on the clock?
7:50
